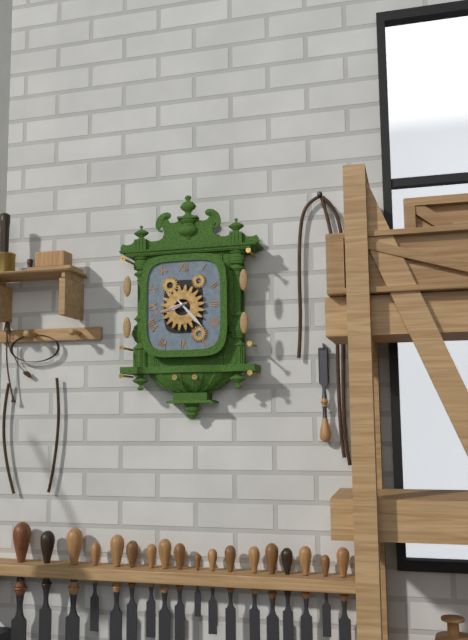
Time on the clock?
8:23
